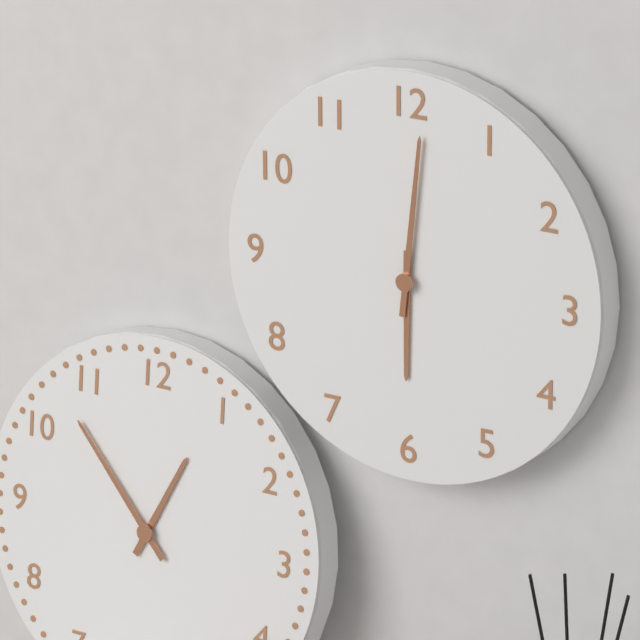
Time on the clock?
6:01
